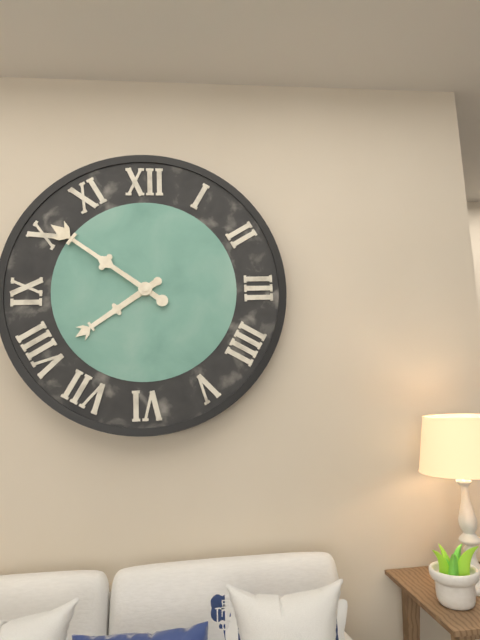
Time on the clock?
7:51
